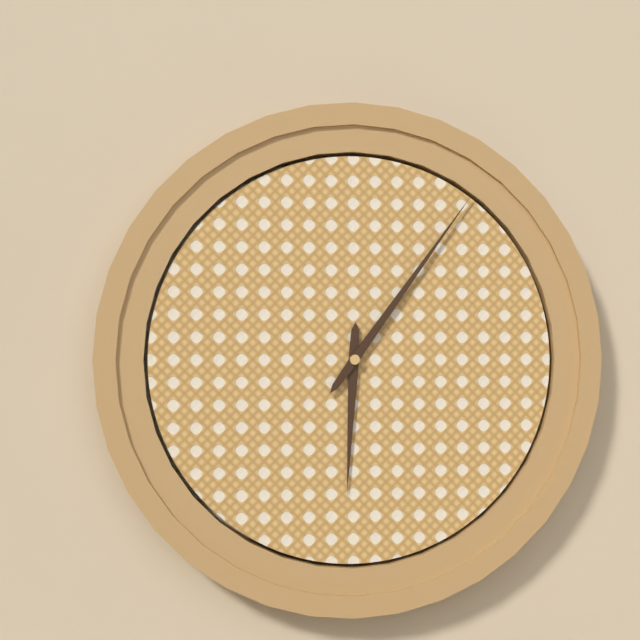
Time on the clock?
6:06
